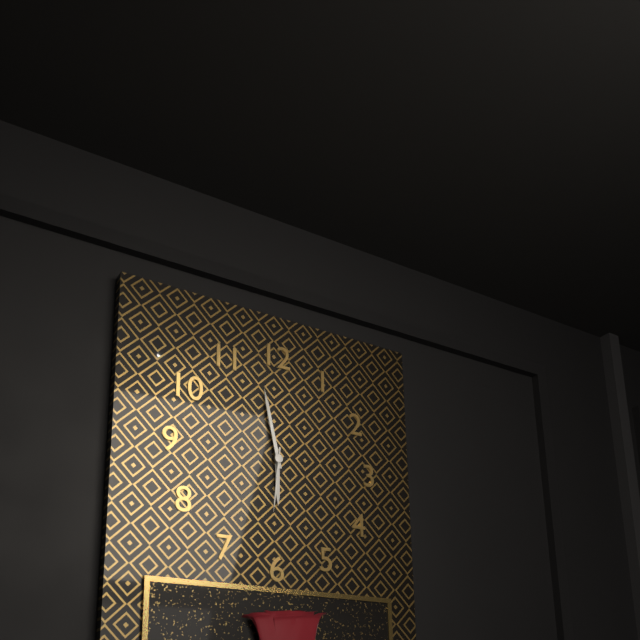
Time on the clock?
5:58:31
